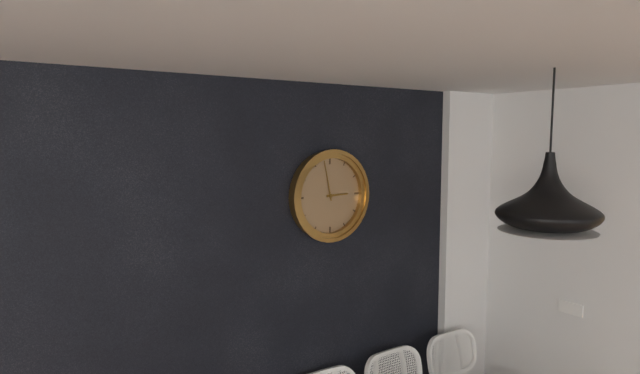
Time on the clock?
2:58
